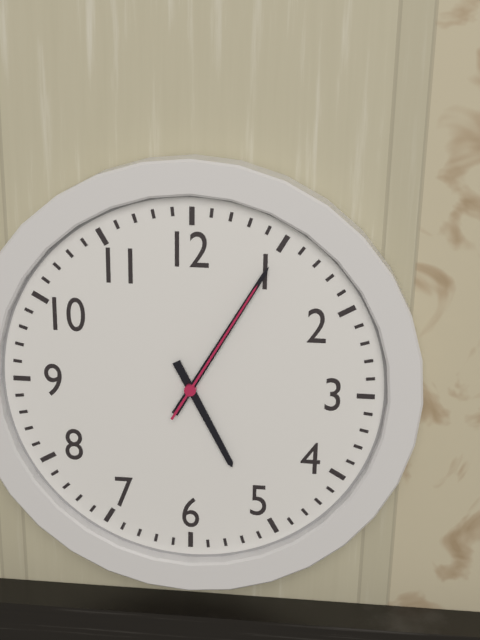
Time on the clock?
5:05:05
